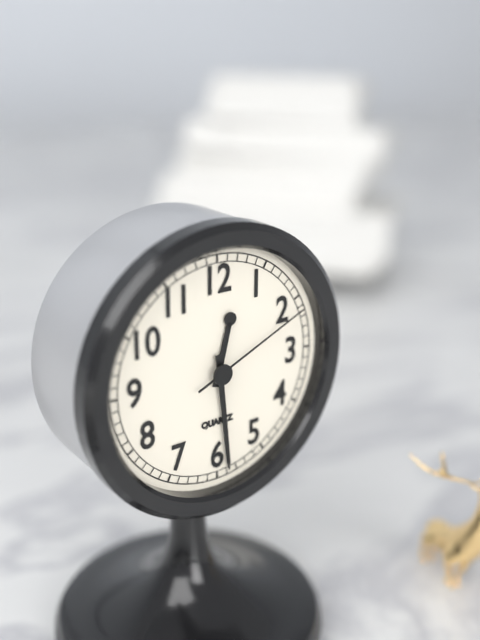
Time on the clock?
12:29:11
